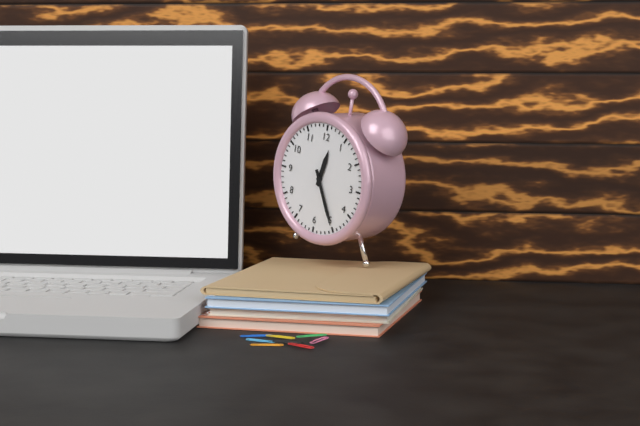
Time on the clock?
12:25
